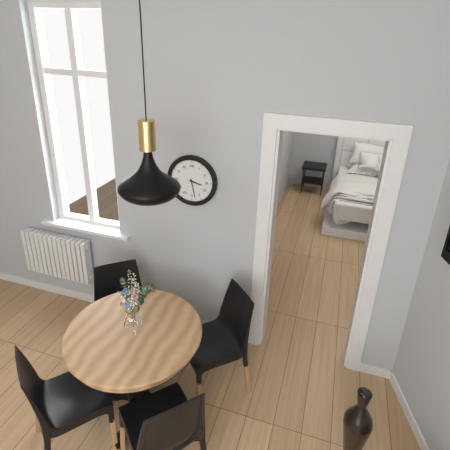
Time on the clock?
3:28
